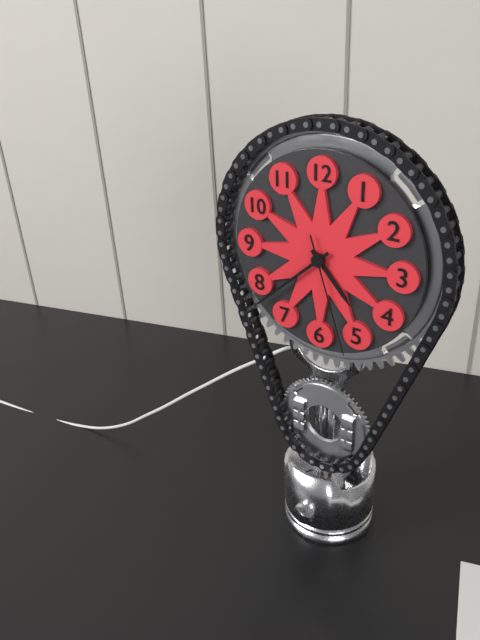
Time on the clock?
4:38:27
